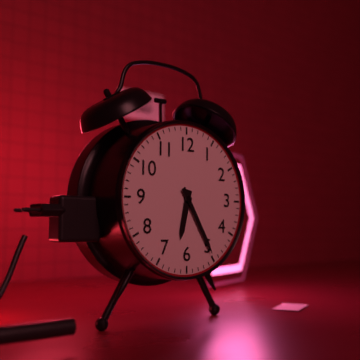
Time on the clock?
6:25
